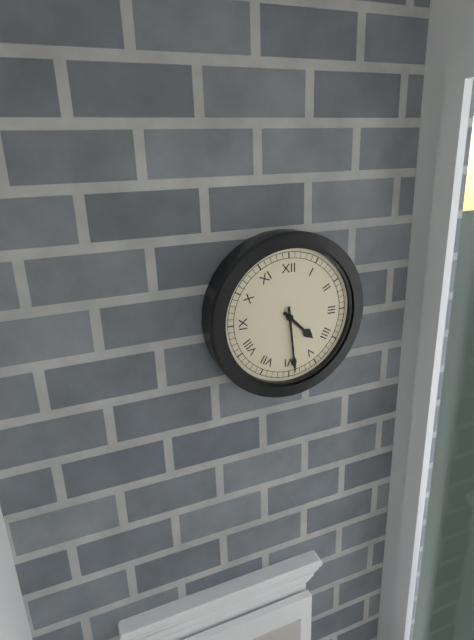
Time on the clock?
4:29
